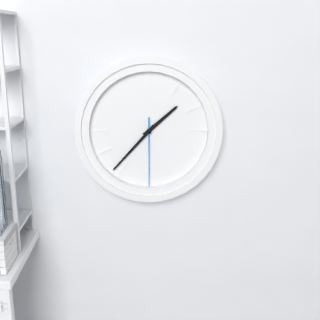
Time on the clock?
1:37:30
